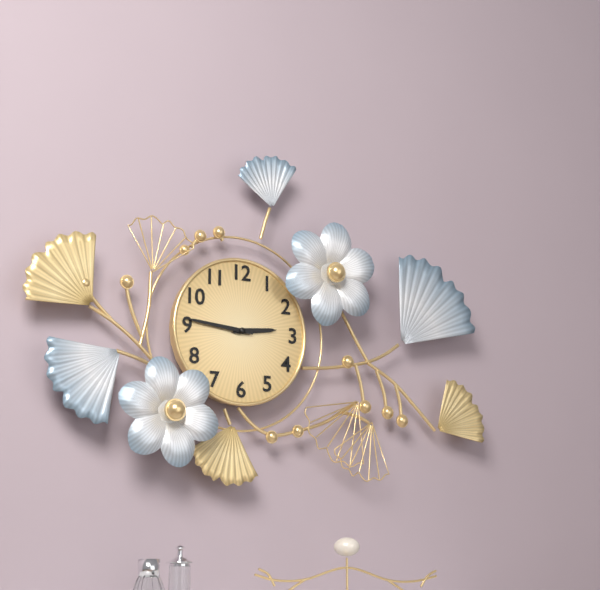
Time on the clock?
2:46
